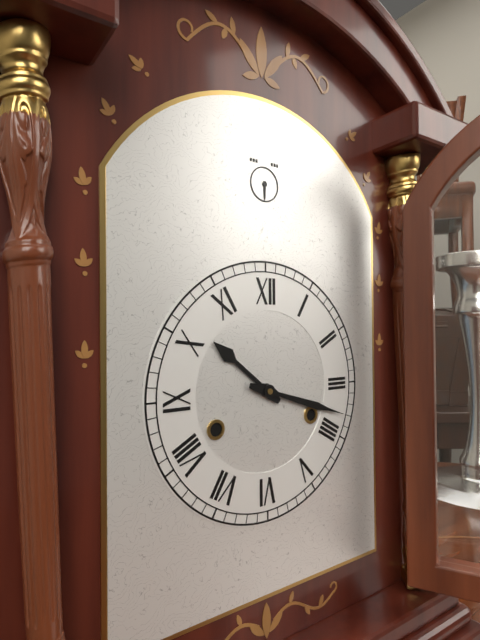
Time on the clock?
10:18
